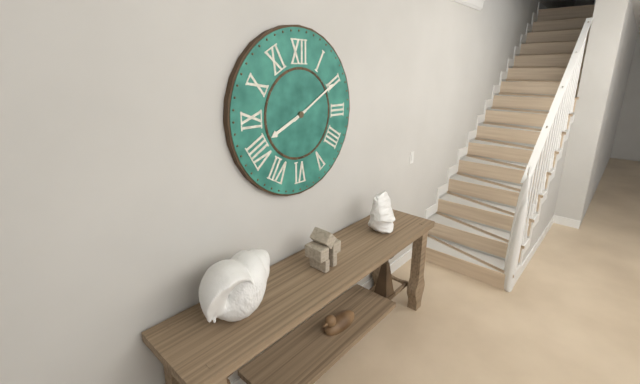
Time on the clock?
8:10
